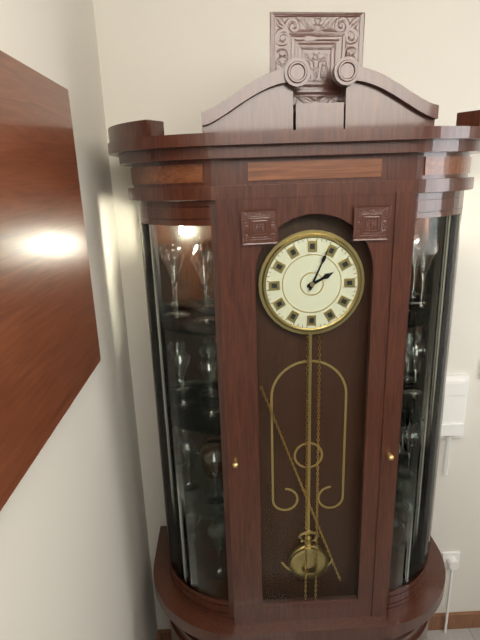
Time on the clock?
2:04
